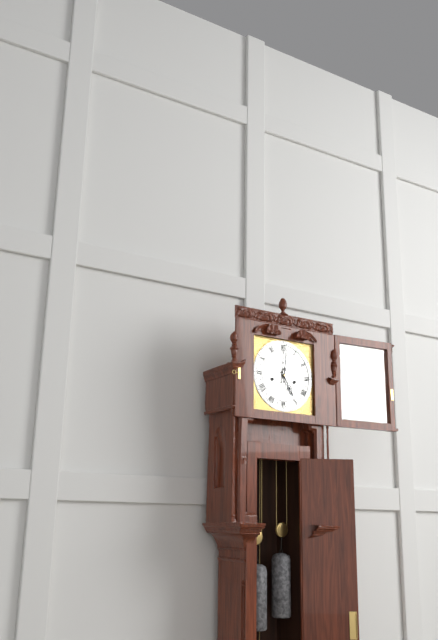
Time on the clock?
5:01
